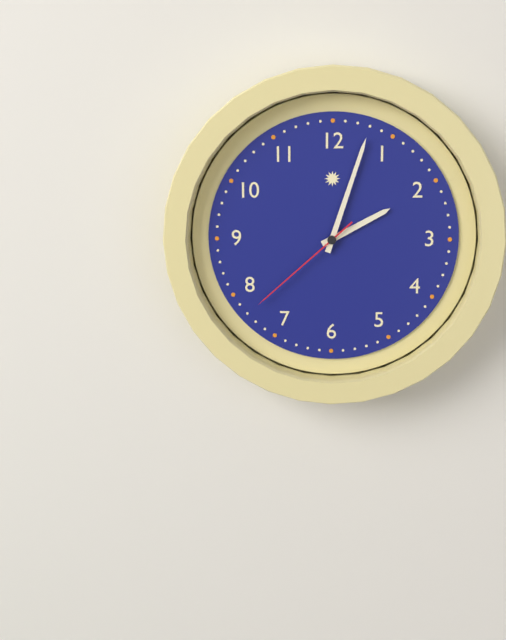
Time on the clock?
2:03:38
